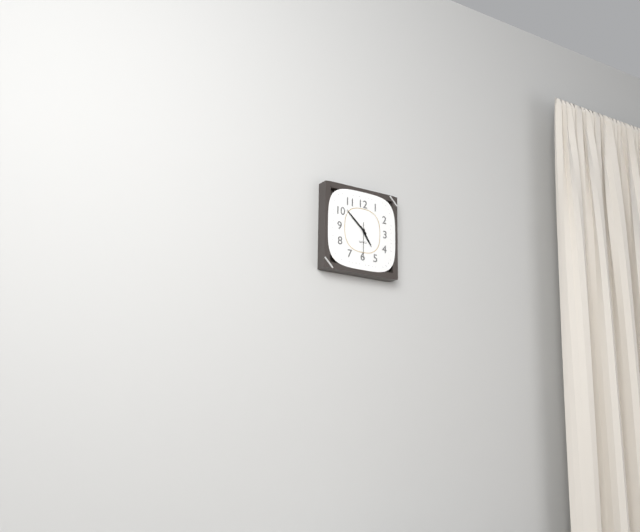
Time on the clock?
4:52
